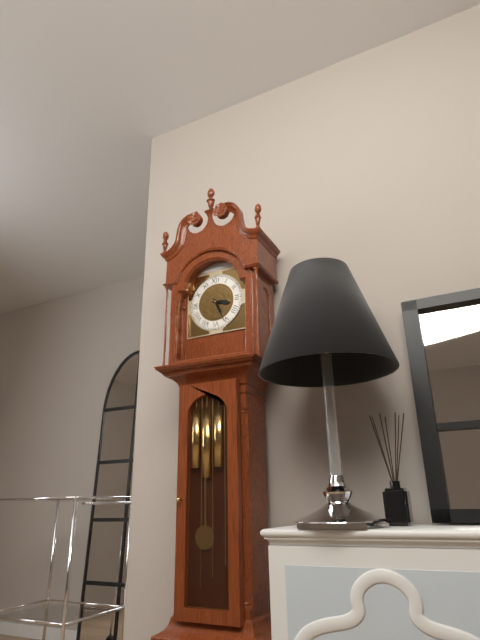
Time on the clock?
3:26
